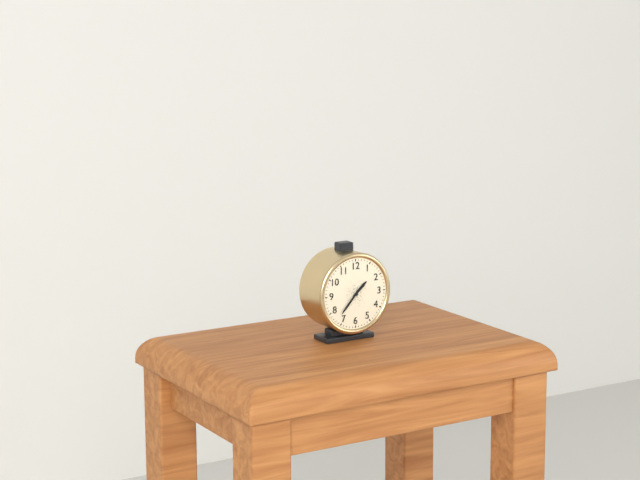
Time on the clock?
1:37
